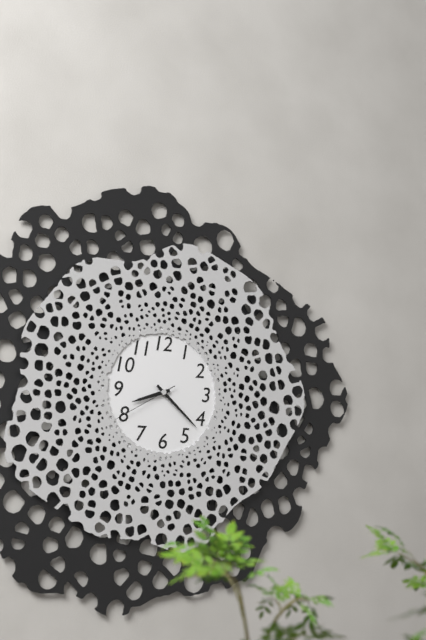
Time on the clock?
8:22:40
